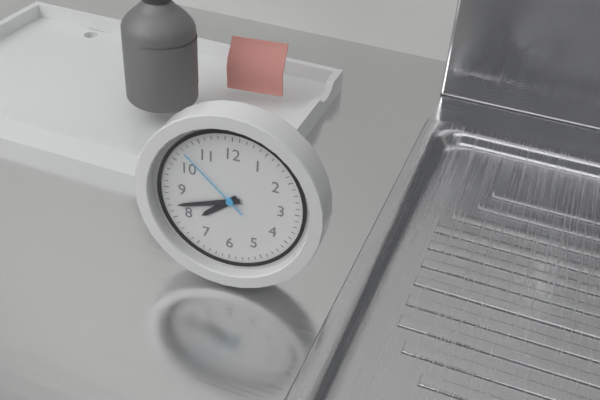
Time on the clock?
7:42:52
